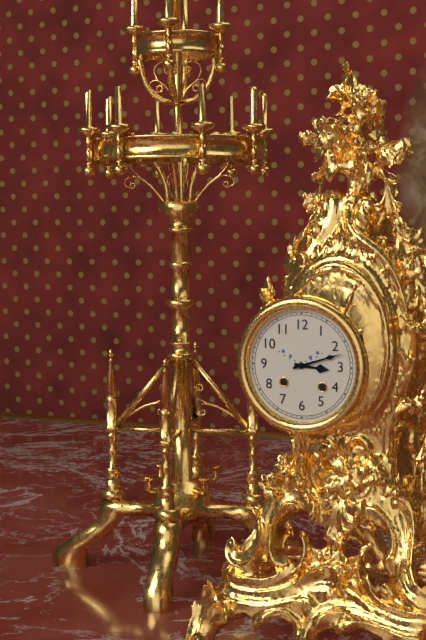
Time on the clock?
3:12
